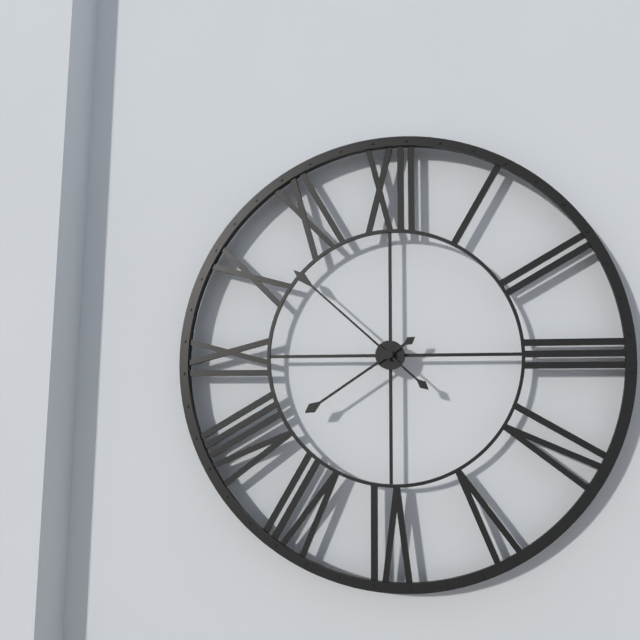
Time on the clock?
7:52
